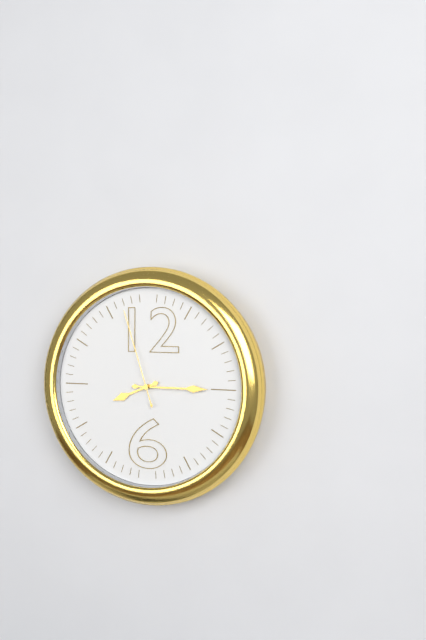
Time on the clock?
8:15:57
